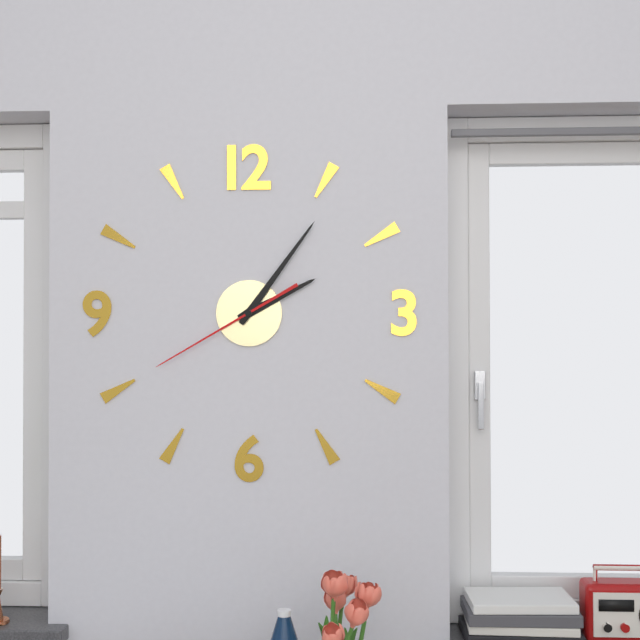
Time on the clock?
2:06:40
